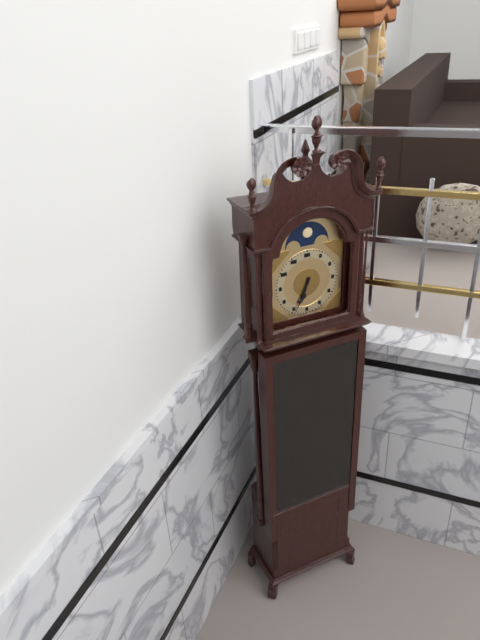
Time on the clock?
6:34
